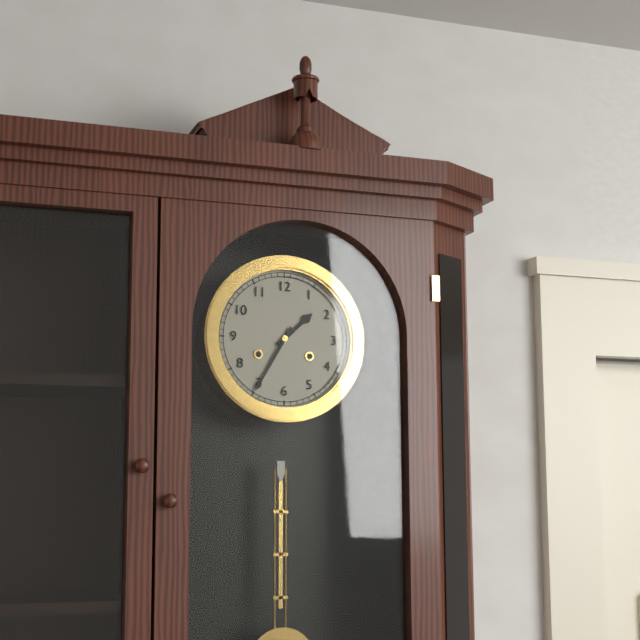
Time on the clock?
1:35
